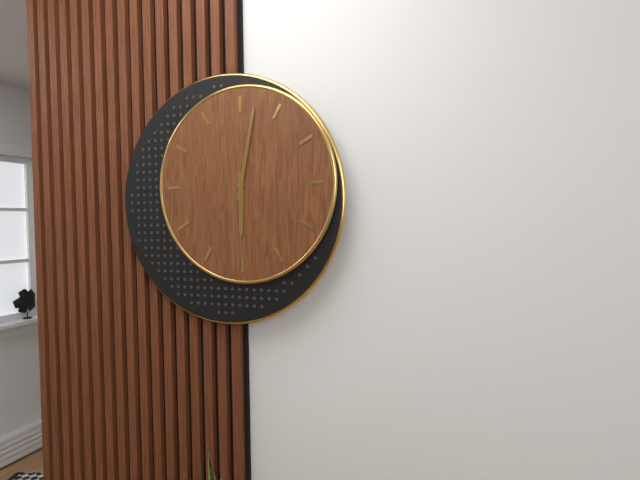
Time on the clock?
6:02
